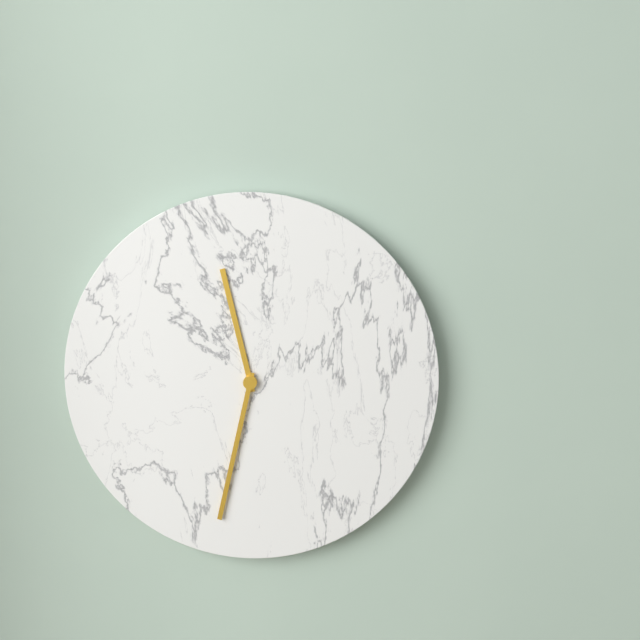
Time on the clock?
11:32
